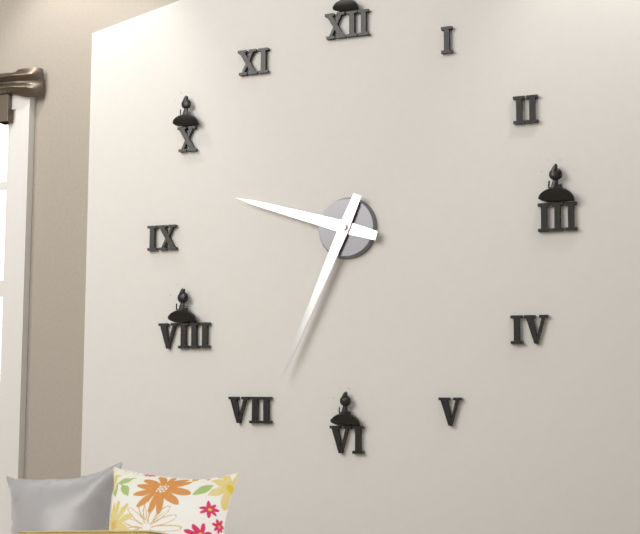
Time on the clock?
9:34
